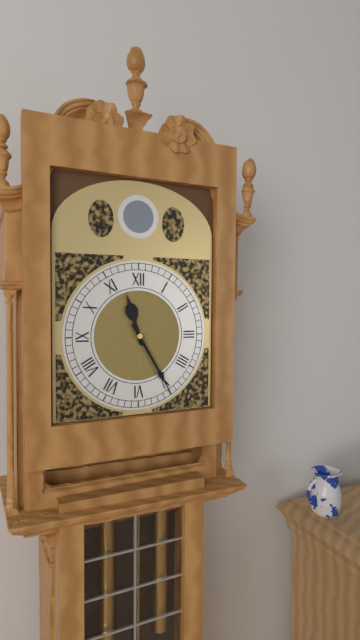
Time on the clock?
11:25
